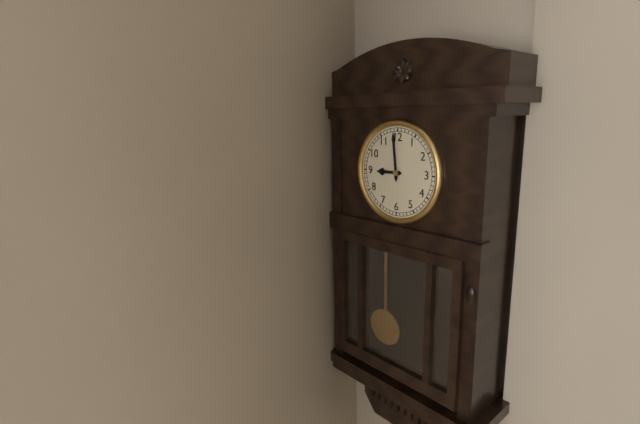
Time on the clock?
8:59
